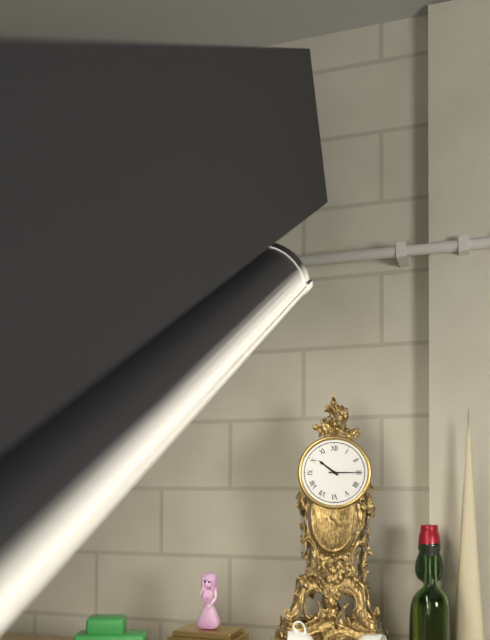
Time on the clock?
10:15
